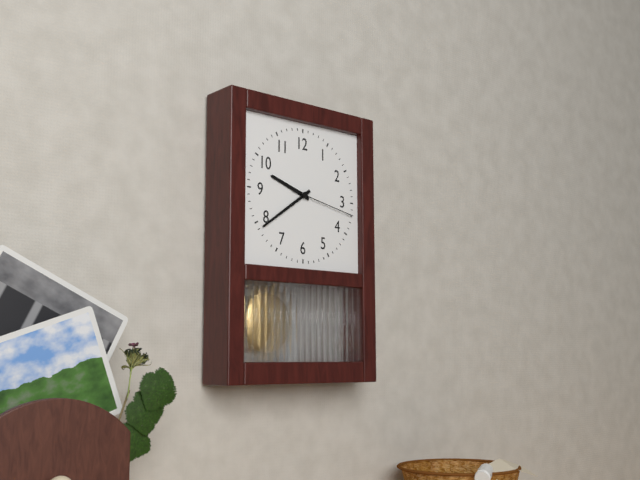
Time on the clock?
9:39:17
